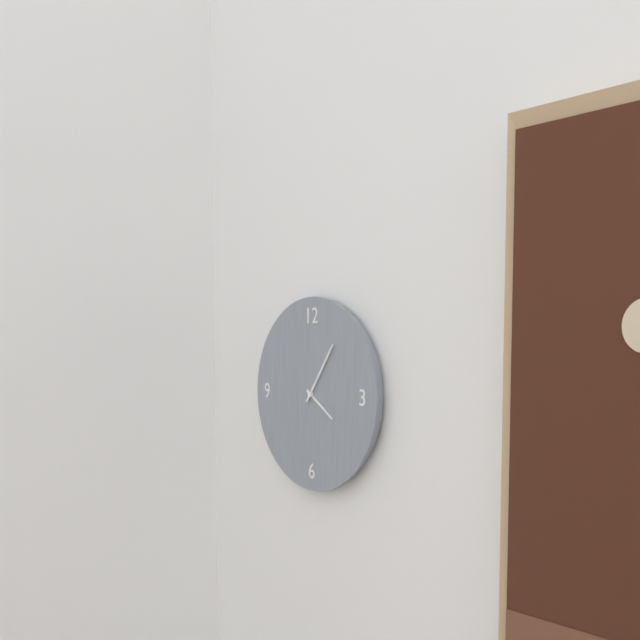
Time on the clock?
4:06
